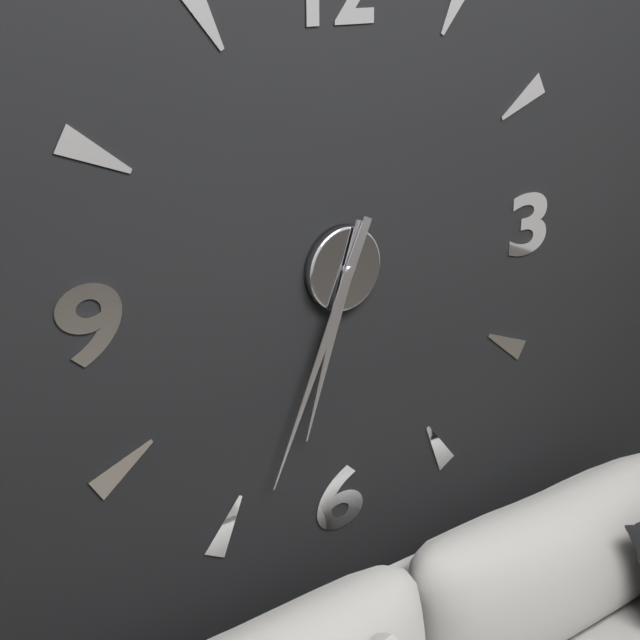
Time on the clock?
6:34
